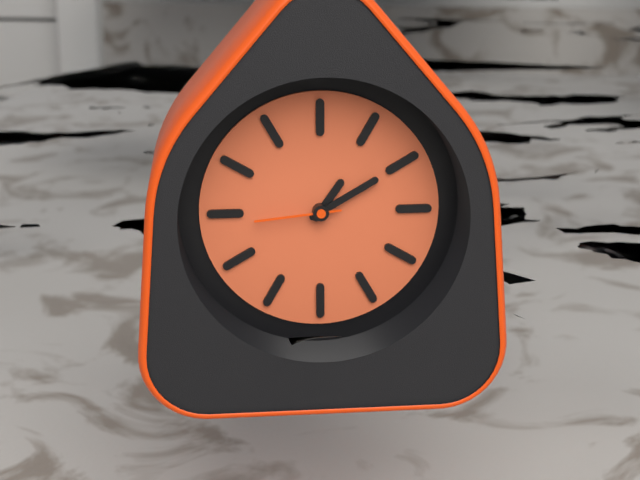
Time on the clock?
1:10:44
